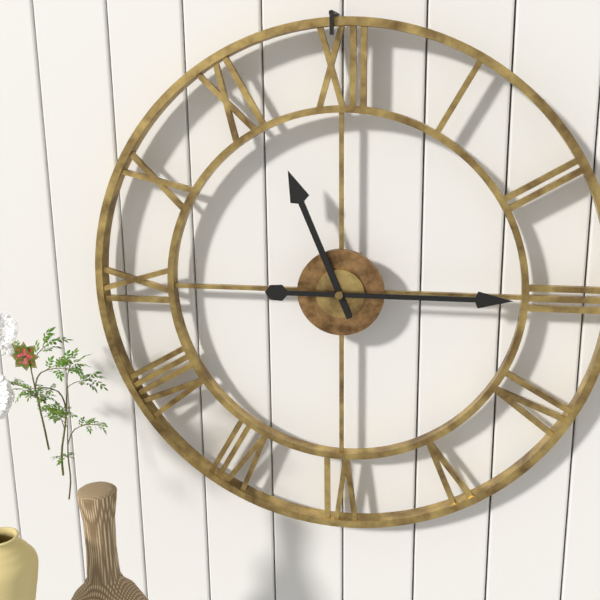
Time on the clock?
11:15
